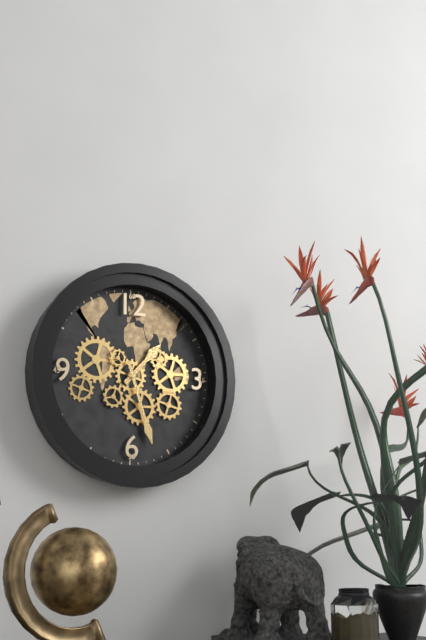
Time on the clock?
1:27
